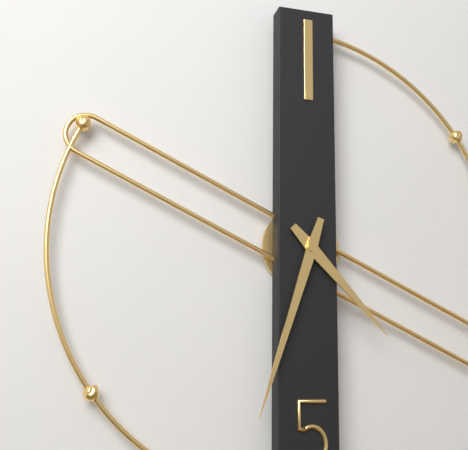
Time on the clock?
4:33
